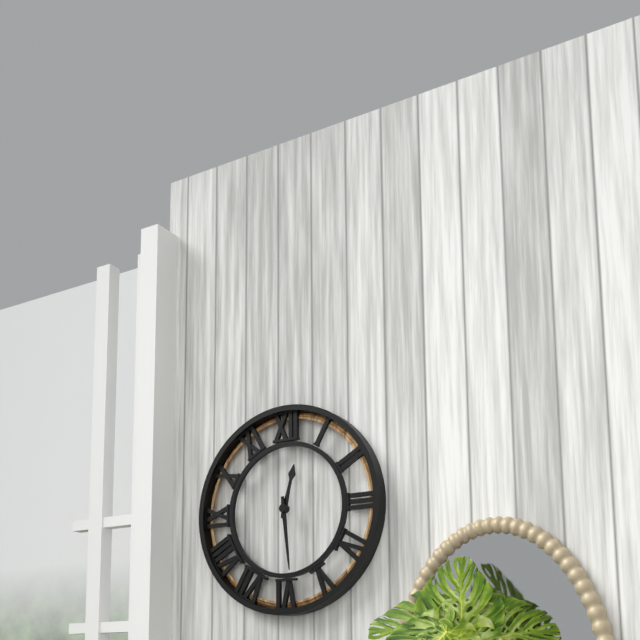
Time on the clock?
12:29
